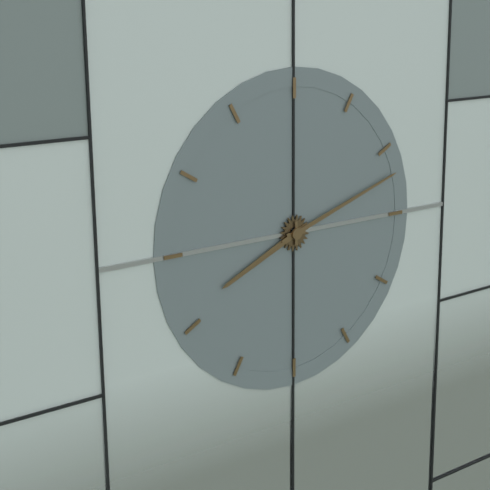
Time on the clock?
8:12
